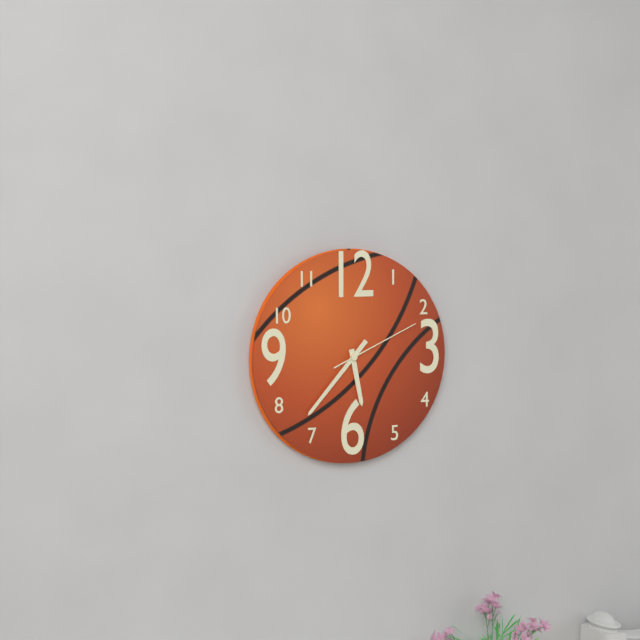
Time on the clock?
5:37:11
